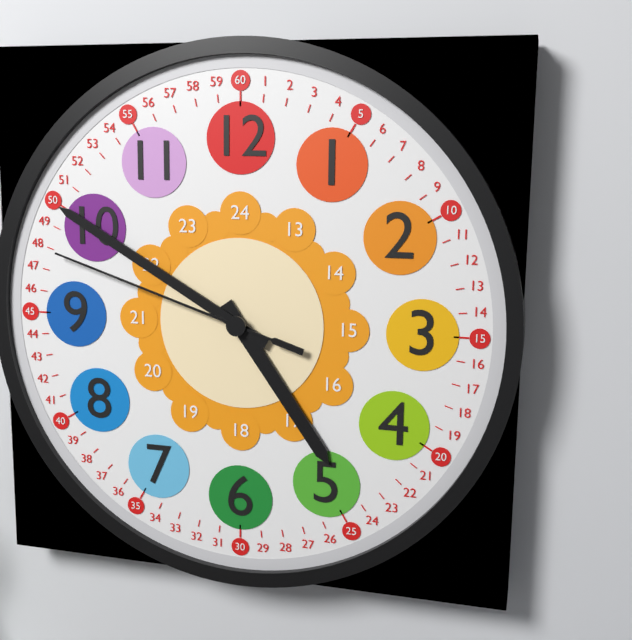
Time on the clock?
4:50:48
